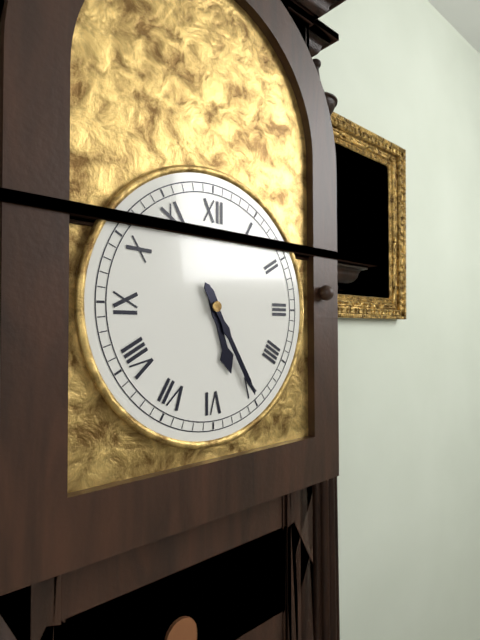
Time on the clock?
5:25
